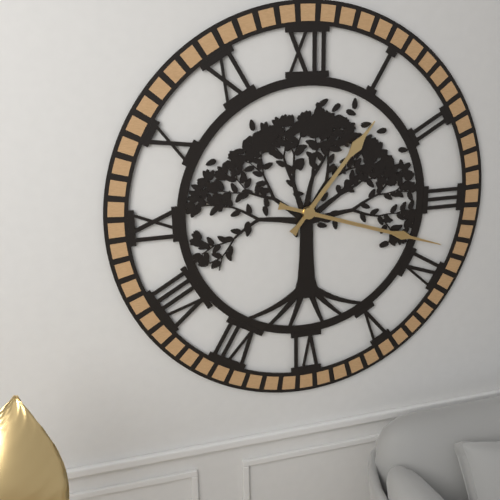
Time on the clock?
1:18
